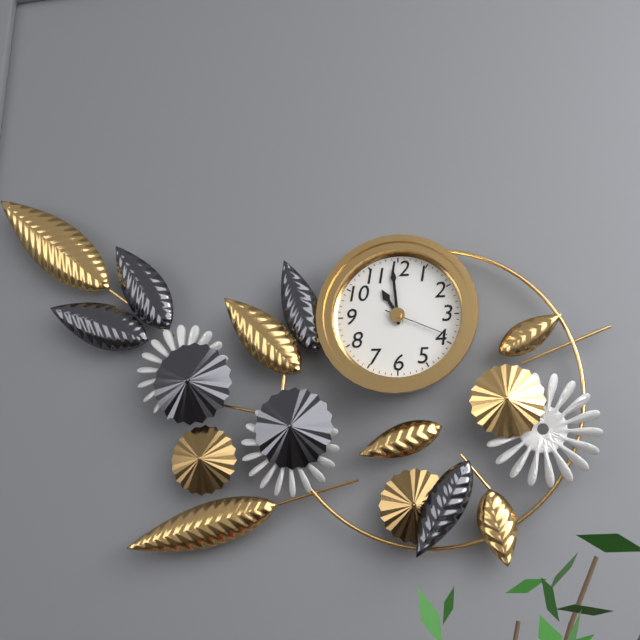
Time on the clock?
10:59:19
